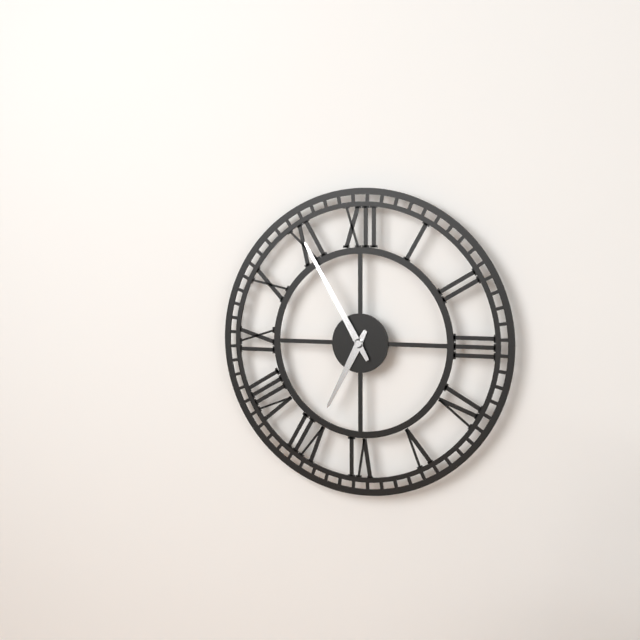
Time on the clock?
6:55
